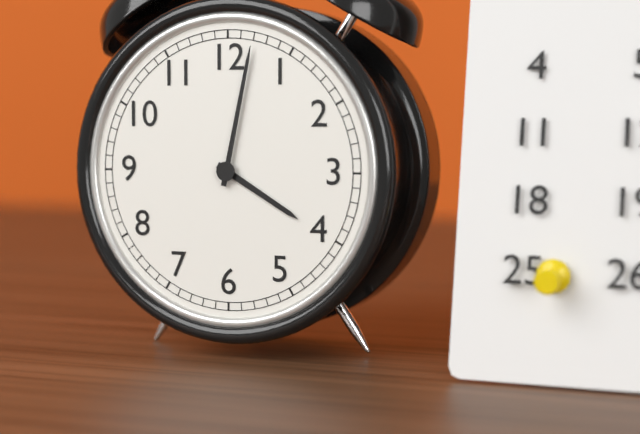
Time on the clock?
4:02
